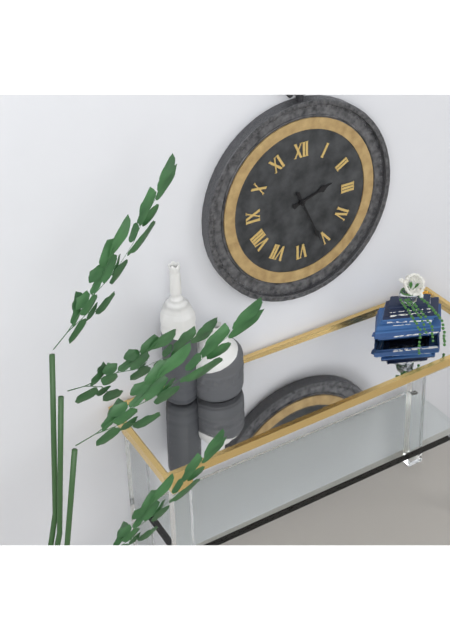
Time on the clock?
2:26
